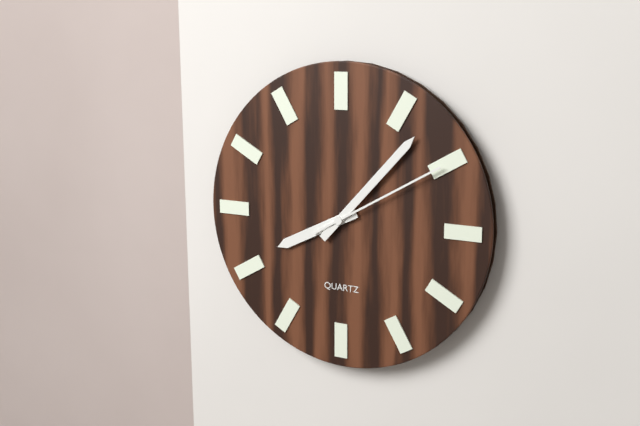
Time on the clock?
8:07:10
